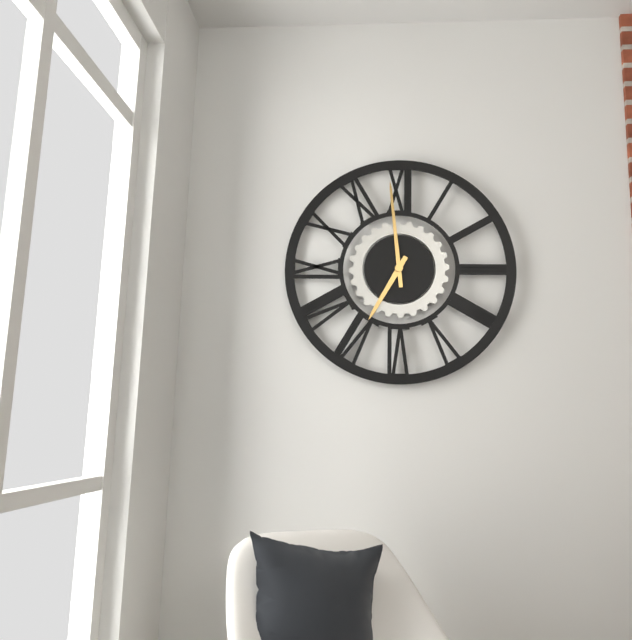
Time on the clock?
6:59
